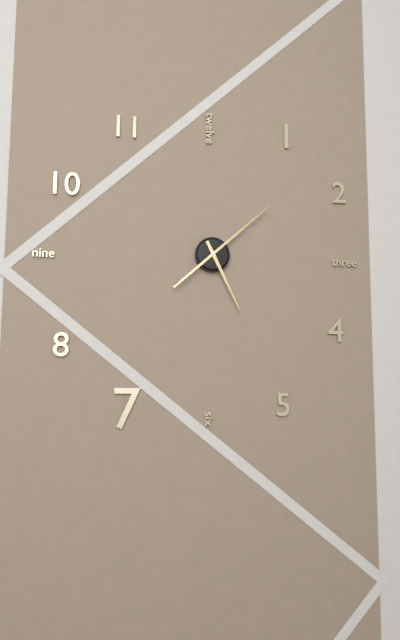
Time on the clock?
5:08
